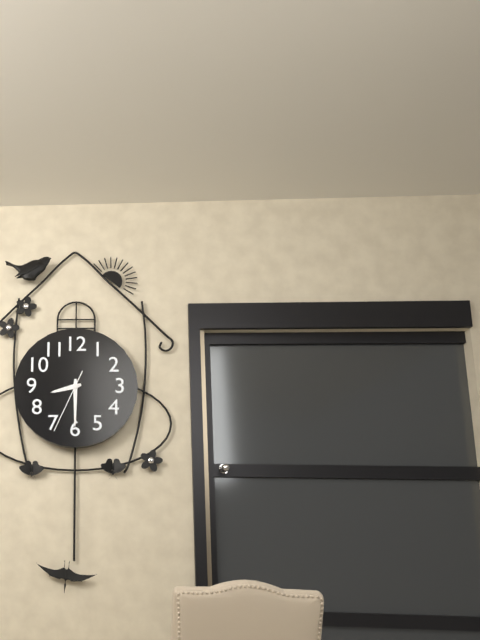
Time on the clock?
8:30:34
